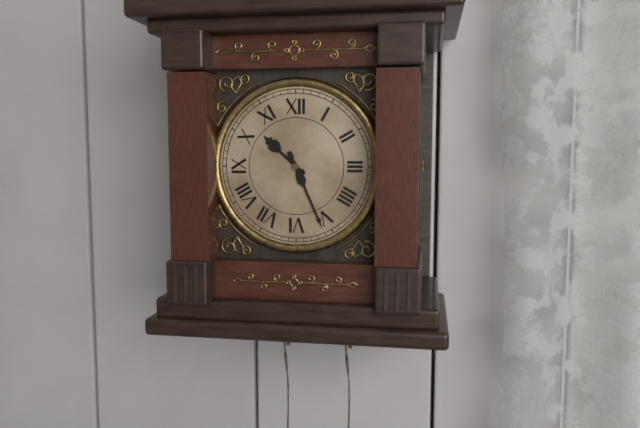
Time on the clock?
10:26
